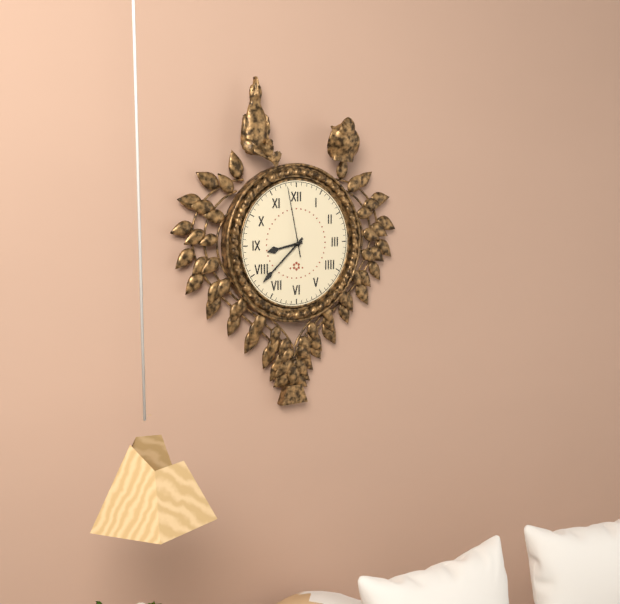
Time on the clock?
8:38:58
